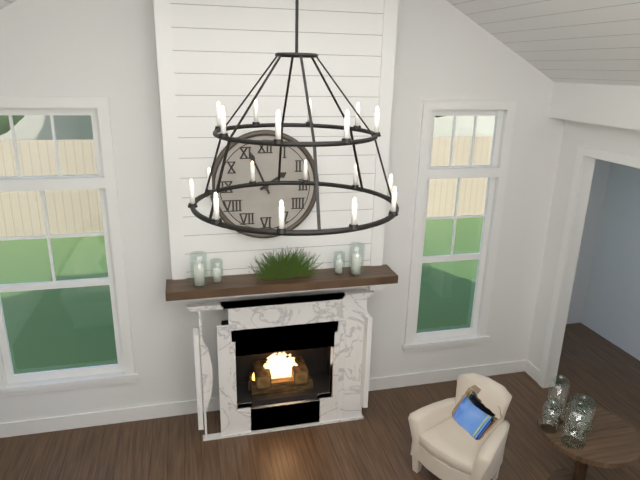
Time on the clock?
1:56
